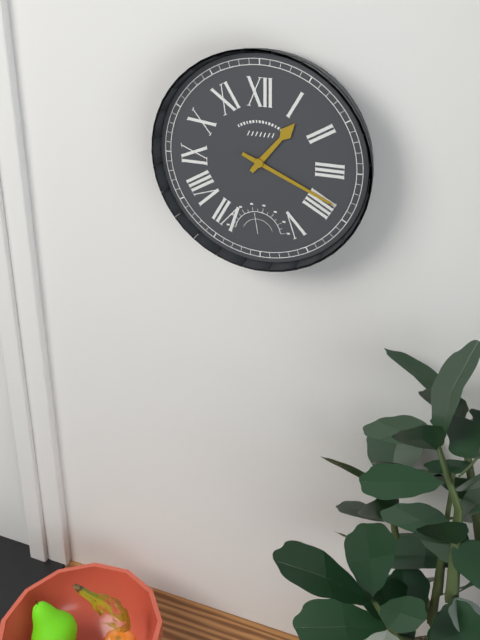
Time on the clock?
1:19
